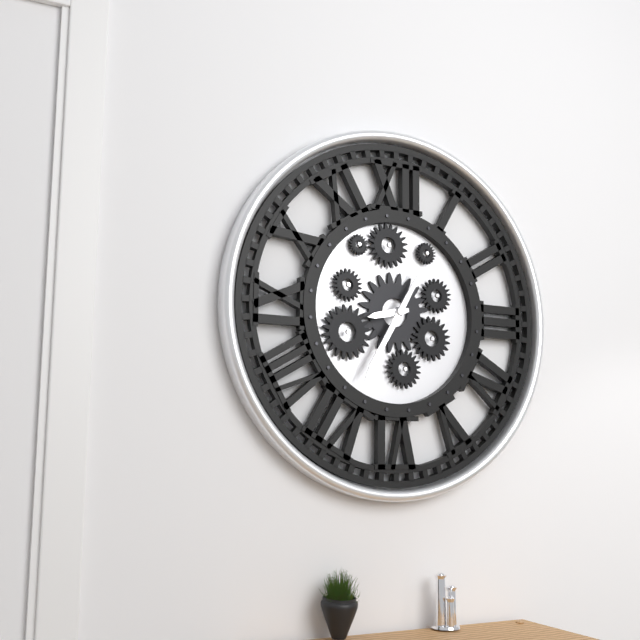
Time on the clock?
8:35
